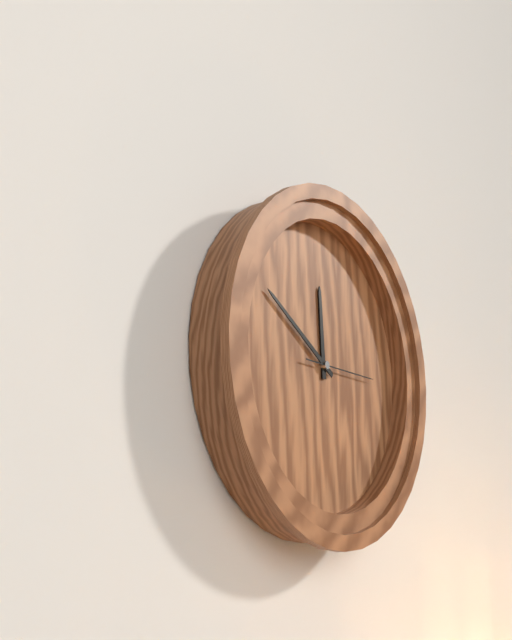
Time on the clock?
11:50:15
